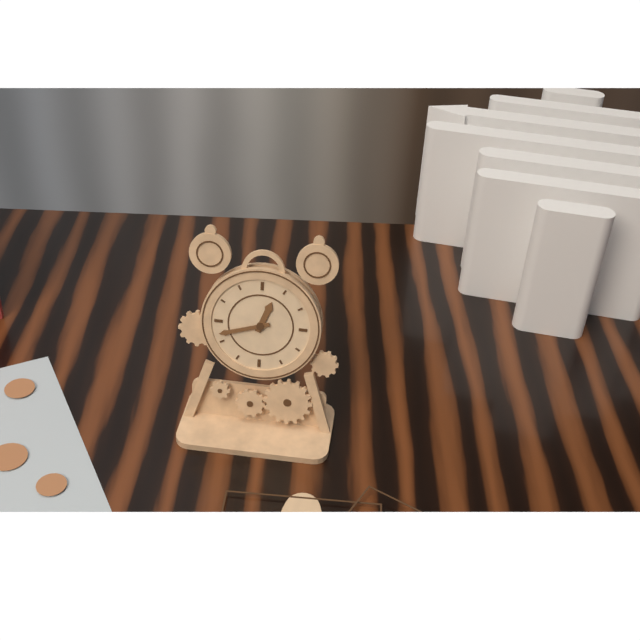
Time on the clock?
12:42
